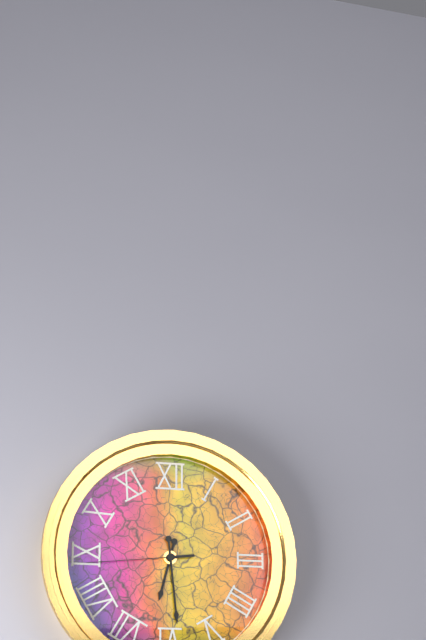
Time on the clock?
6:29:44
